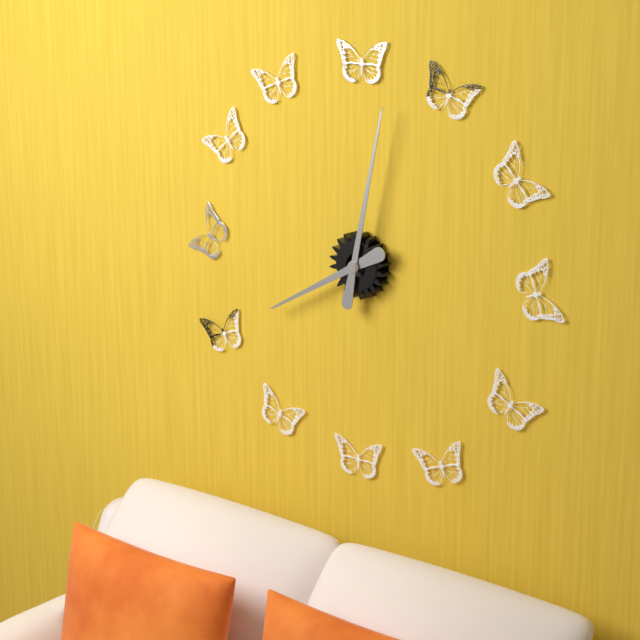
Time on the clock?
8:02
